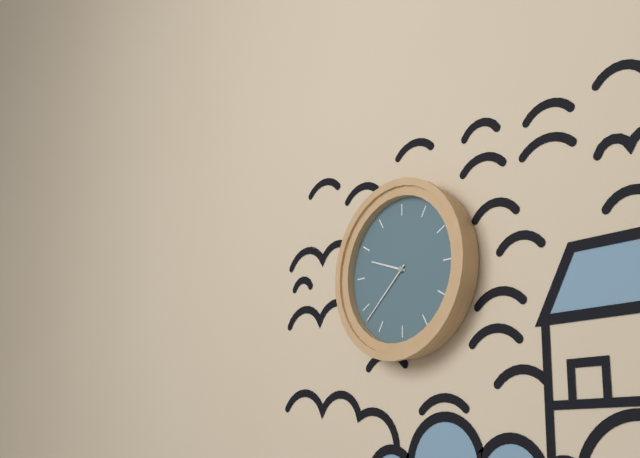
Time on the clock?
9:38
